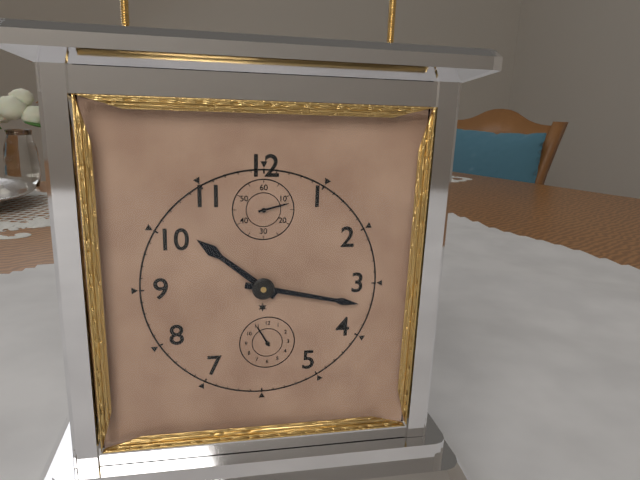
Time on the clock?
10:17
